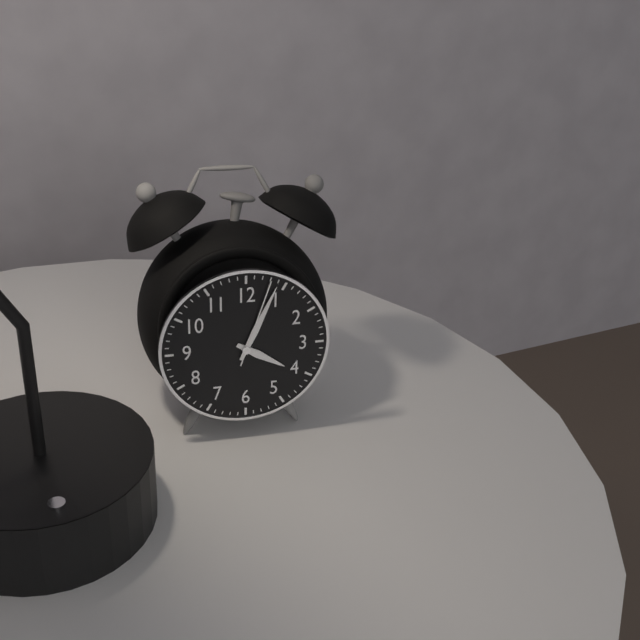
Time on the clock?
4:04:03
